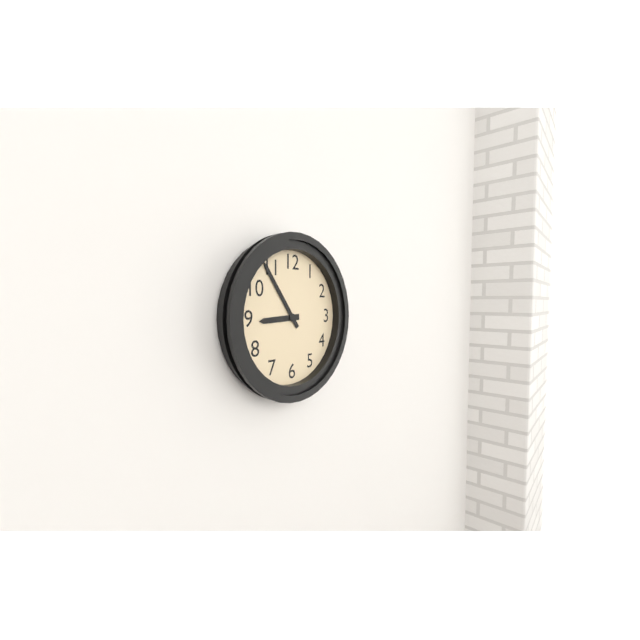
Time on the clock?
8:54
